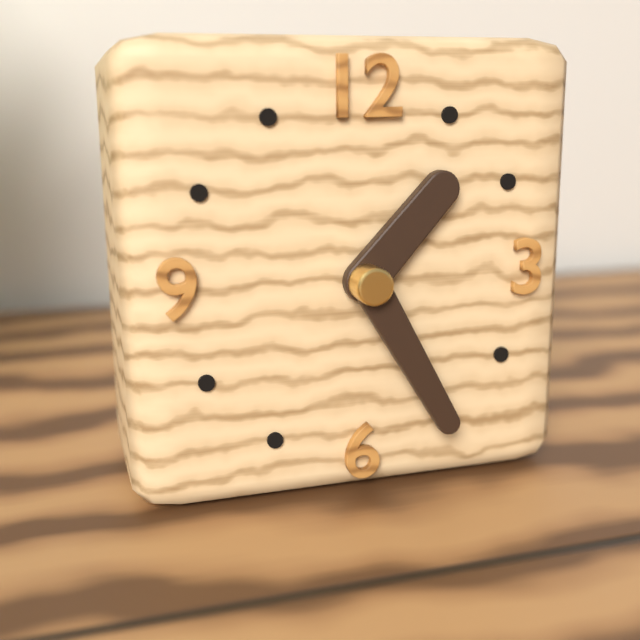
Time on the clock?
1:25
